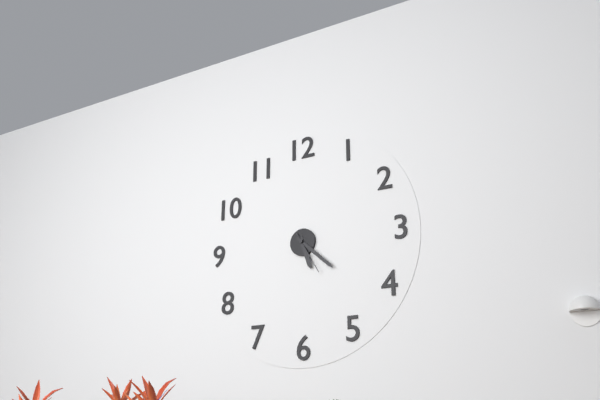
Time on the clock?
5:22
